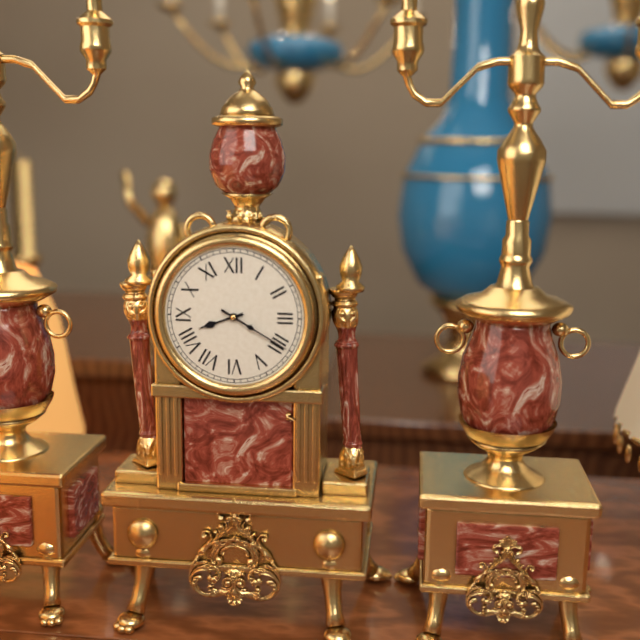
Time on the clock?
8:20
